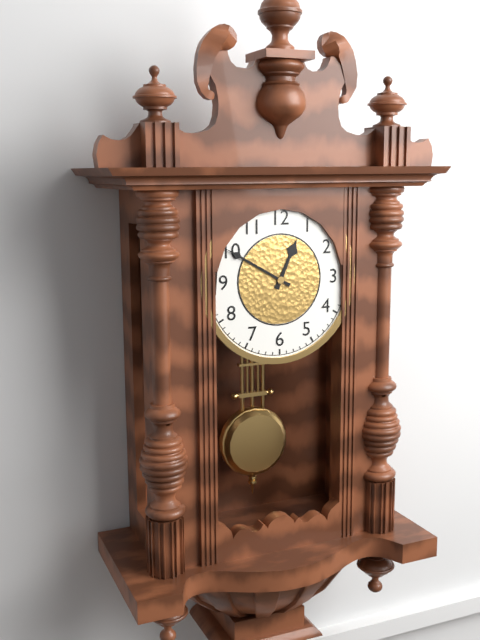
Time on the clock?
12:50
